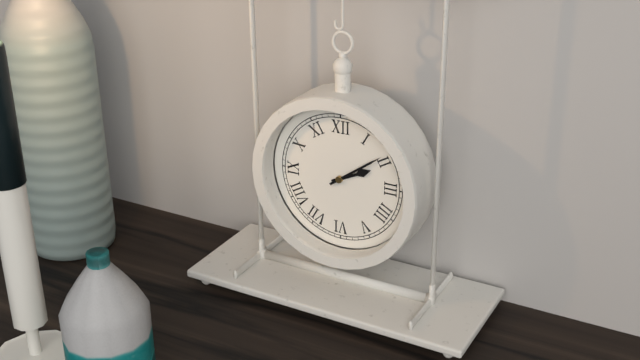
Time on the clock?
2:09
